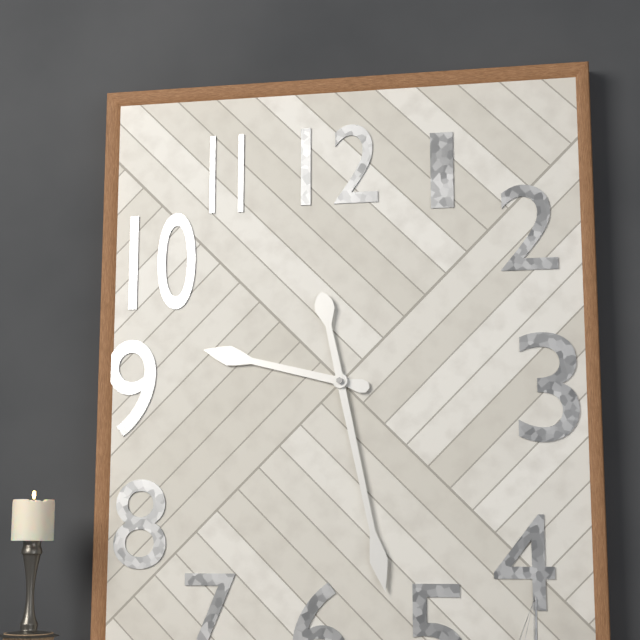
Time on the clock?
9:28
